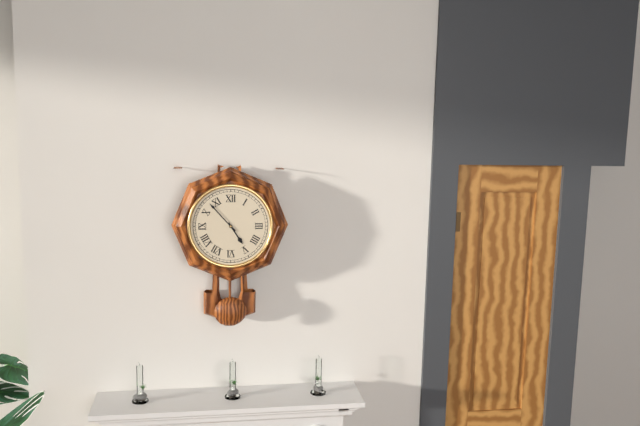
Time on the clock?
4:53
